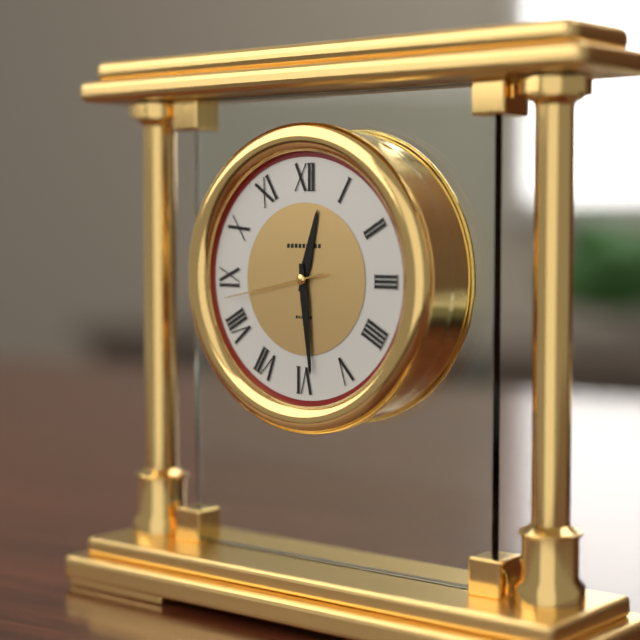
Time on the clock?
12:29:43
